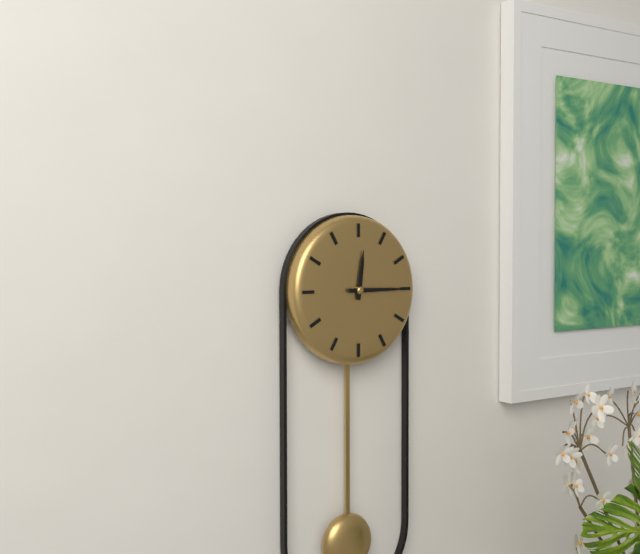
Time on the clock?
12:15
